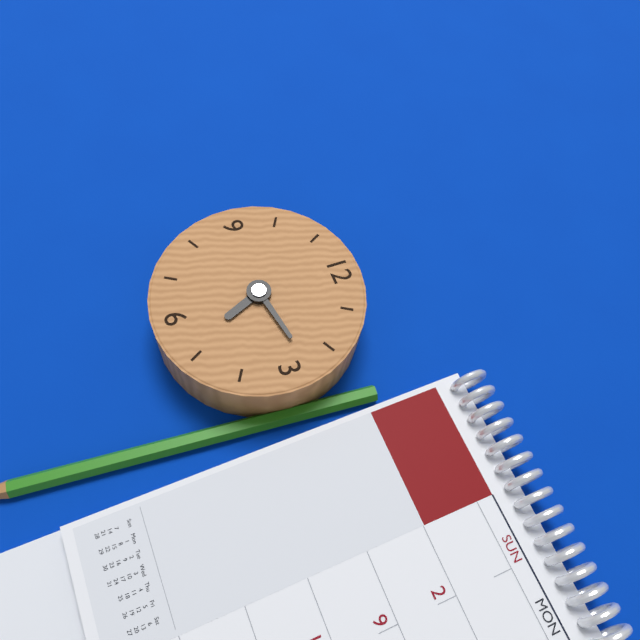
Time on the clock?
5:13
